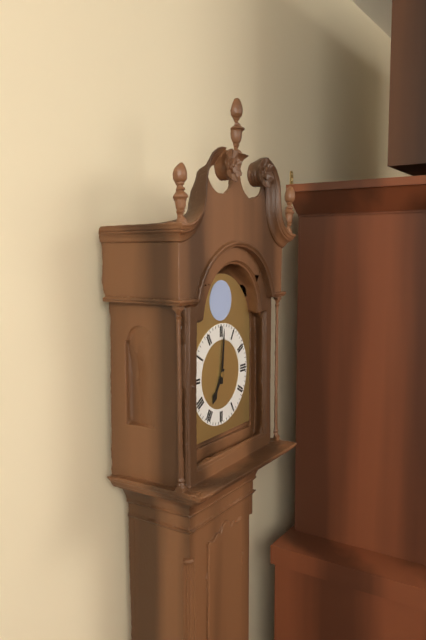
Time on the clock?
7:01
